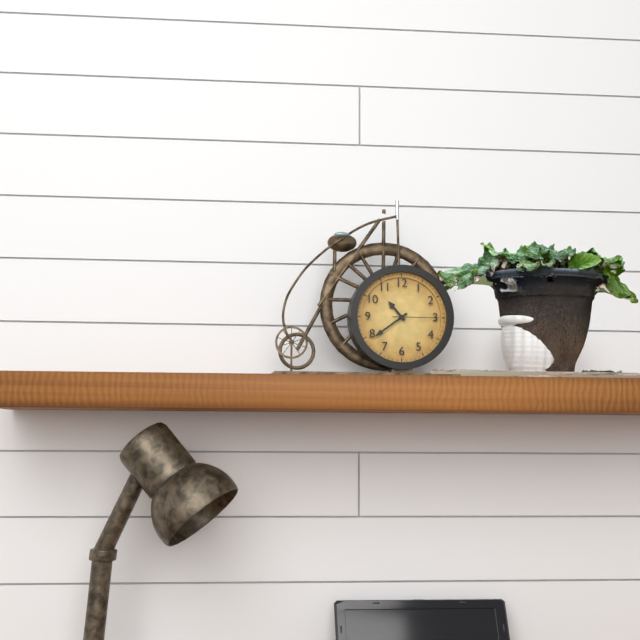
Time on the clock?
10:39
